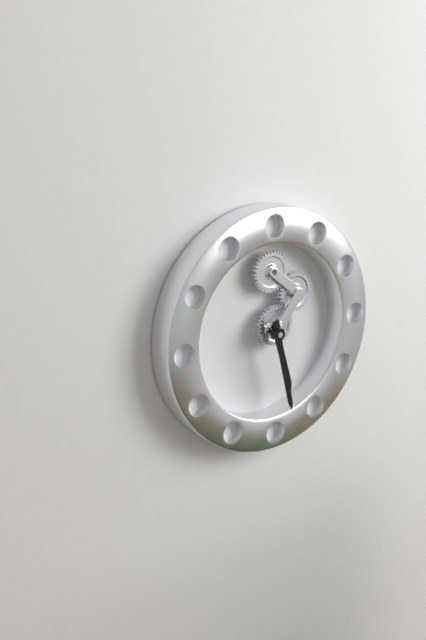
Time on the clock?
5:28
